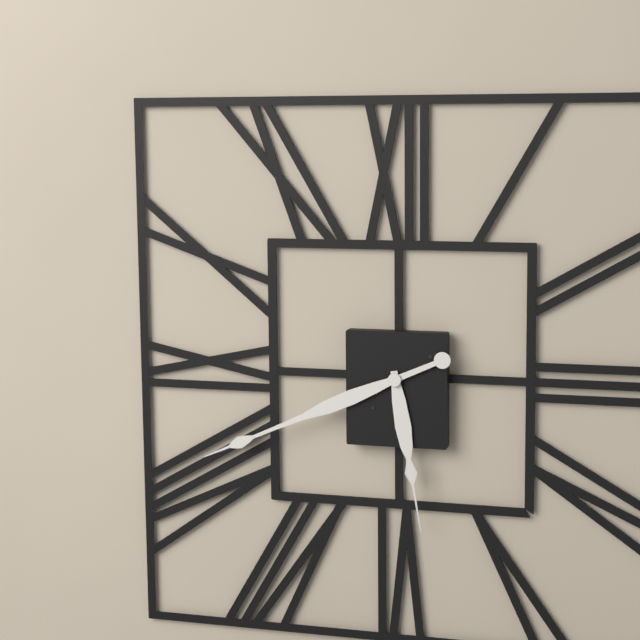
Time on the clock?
5:41
